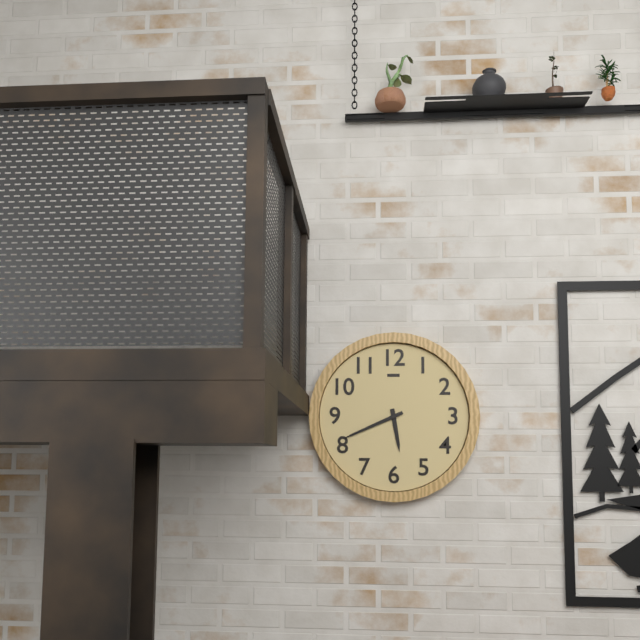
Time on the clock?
5:41
